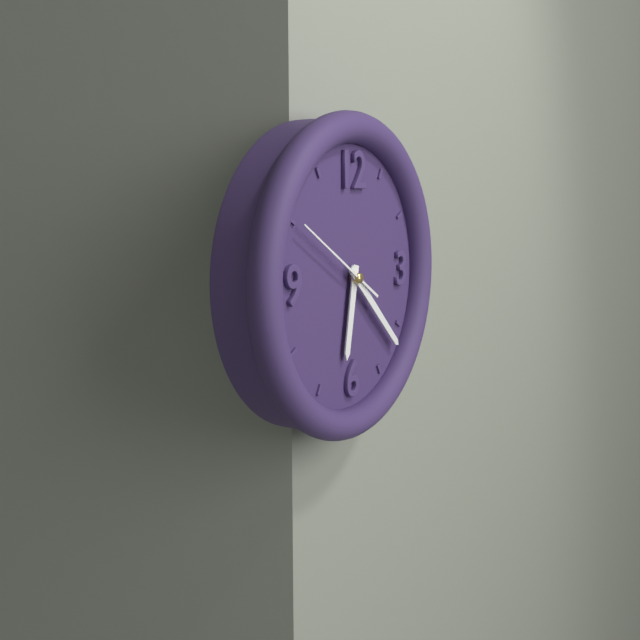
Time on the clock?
6:22:50
